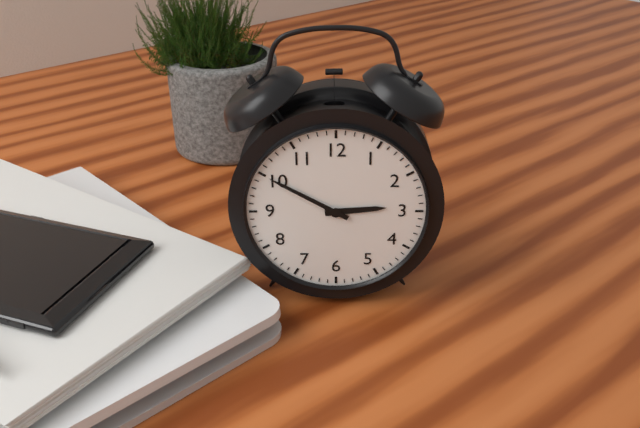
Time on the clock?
2:50
